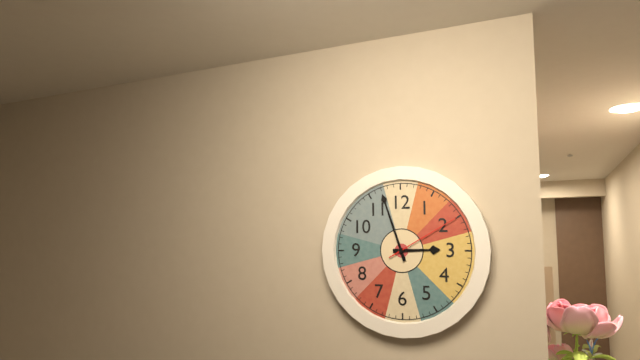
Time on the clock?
2:57:10
